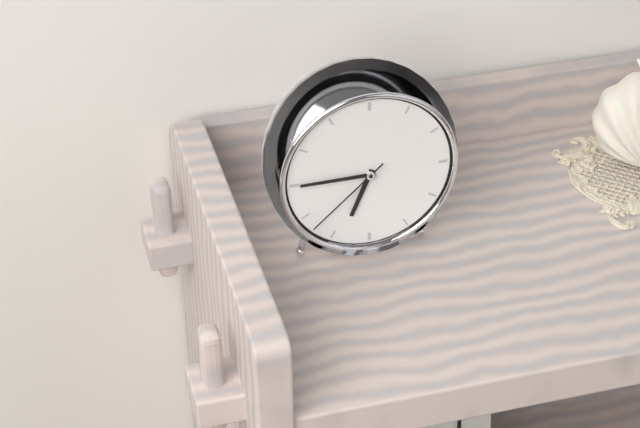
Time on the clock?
6:45:38
